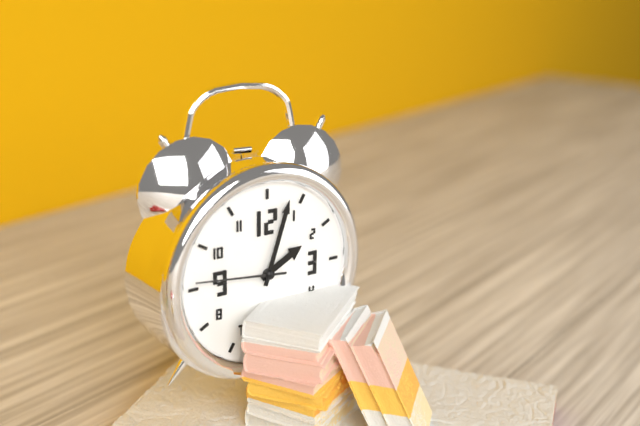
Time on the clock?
2:03:46
